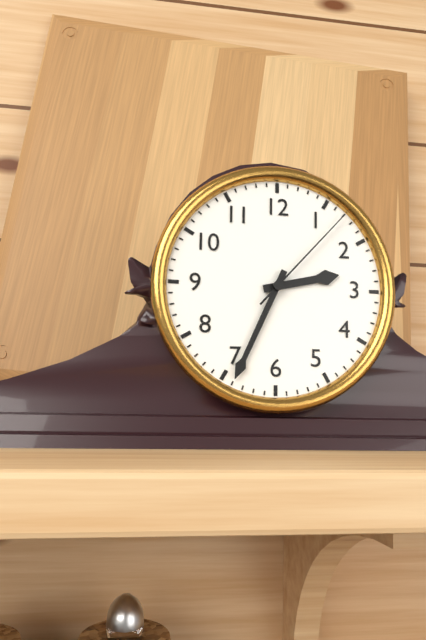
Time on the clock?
2:34:07
